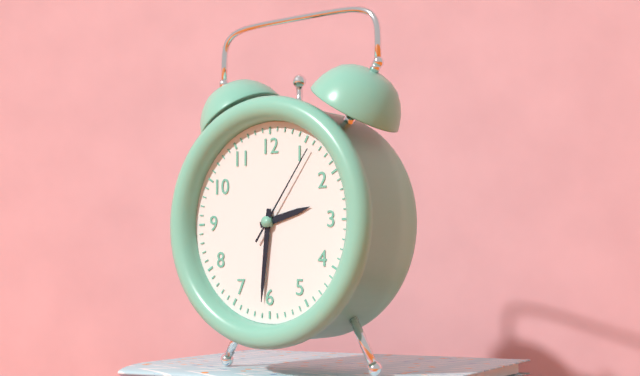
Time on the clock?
2:31:06
